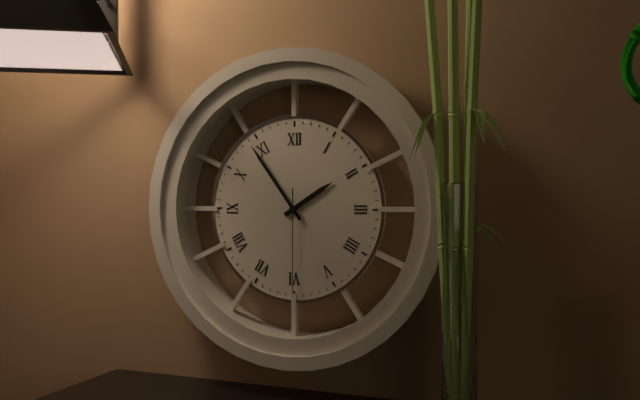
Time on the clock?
1:54:30
